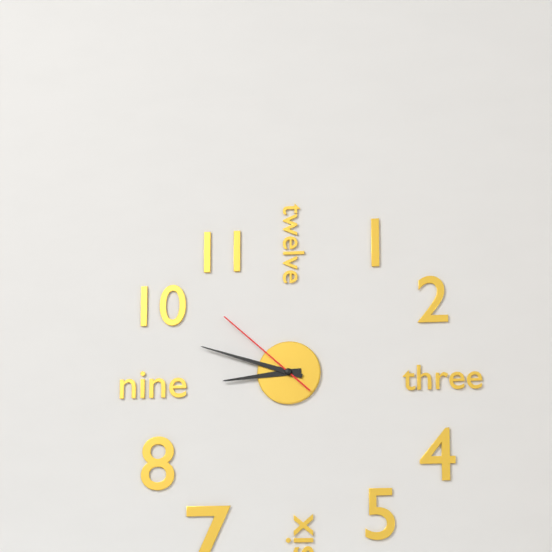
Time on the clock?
8:48:52
